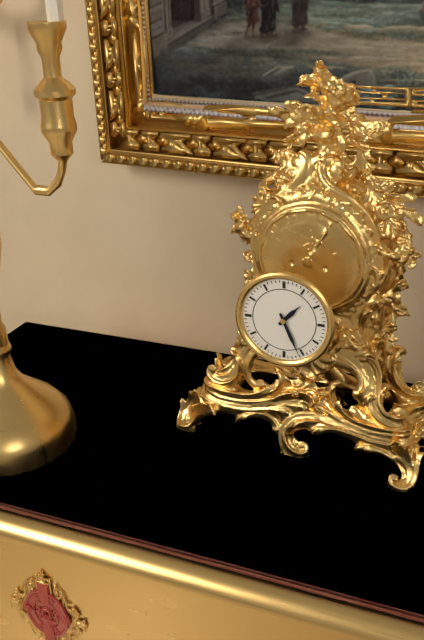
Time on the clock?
1:26
